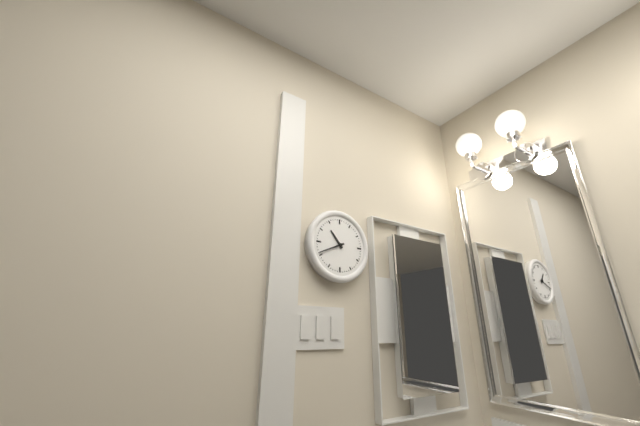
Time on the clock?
10:41
